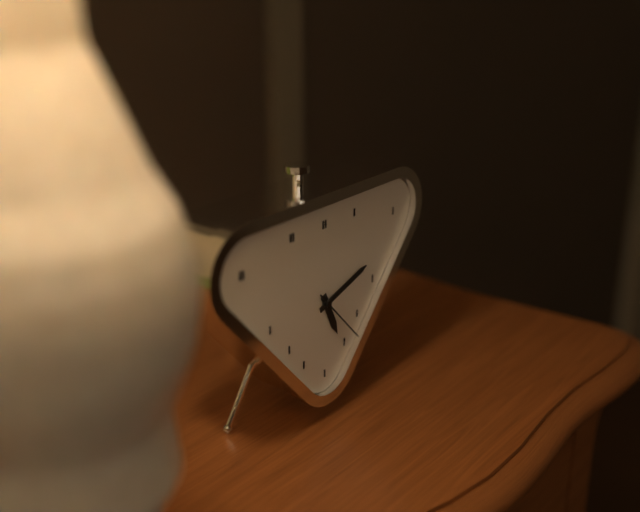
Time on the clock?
5:12:23
